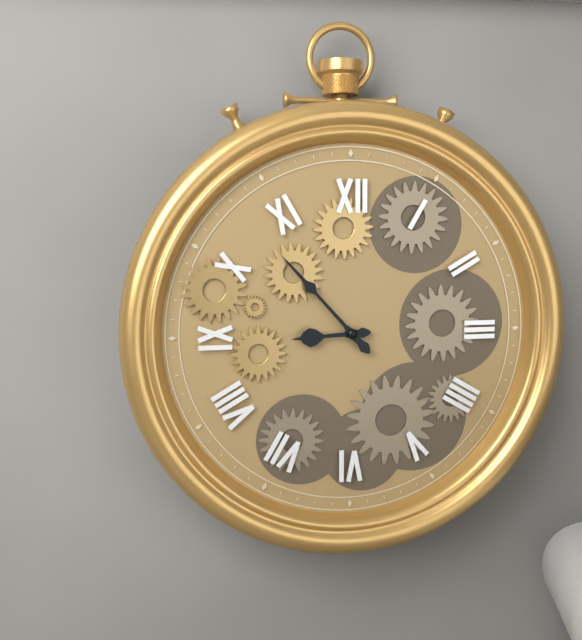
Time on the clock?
8:53
